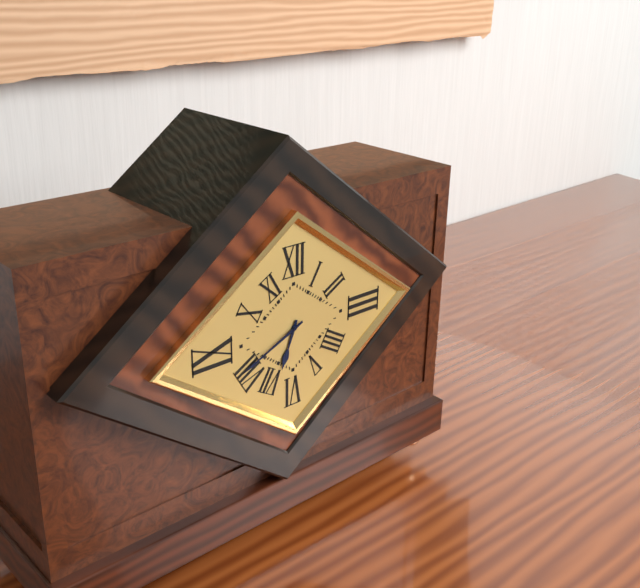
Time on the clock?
6:41
